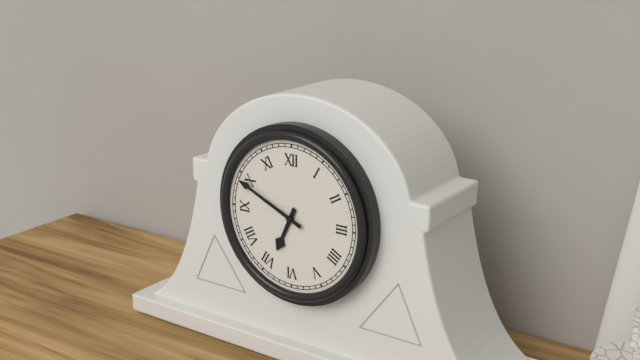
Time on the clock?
6:49
